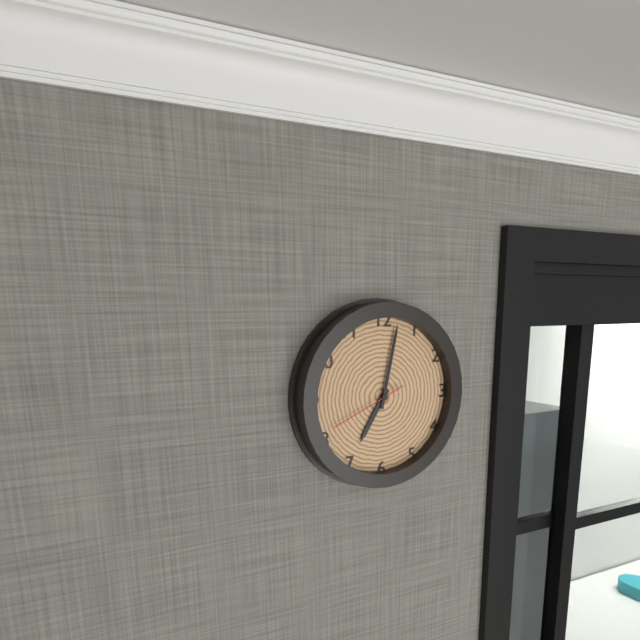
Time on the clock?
7:02:41
